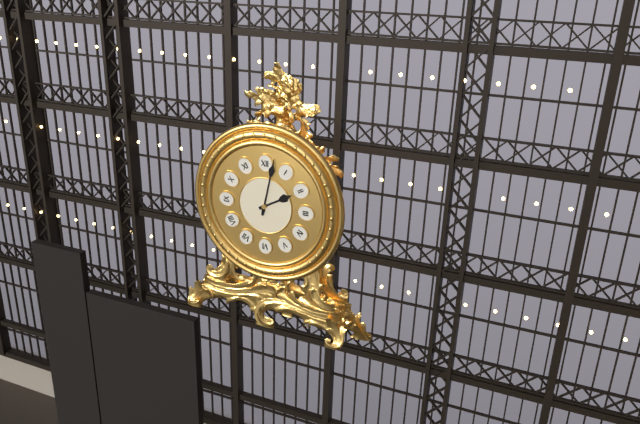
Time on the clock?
2:02
